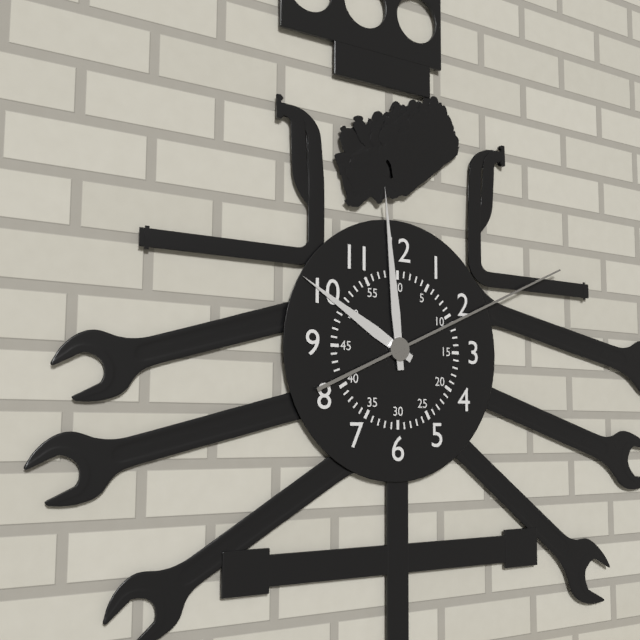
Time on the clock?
9:59:11
